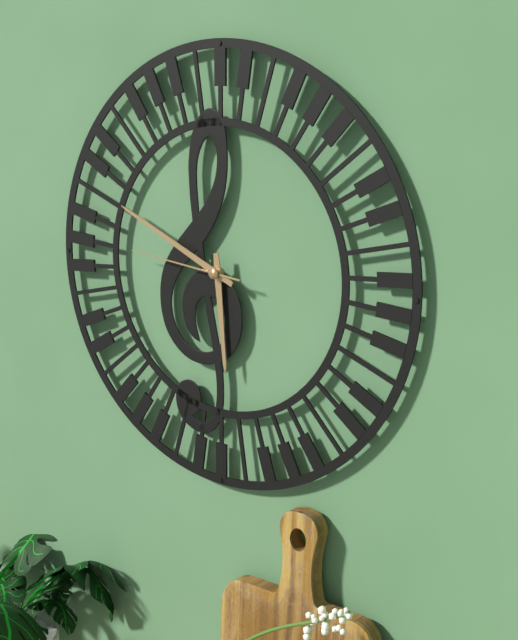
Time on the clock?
5:49:46
